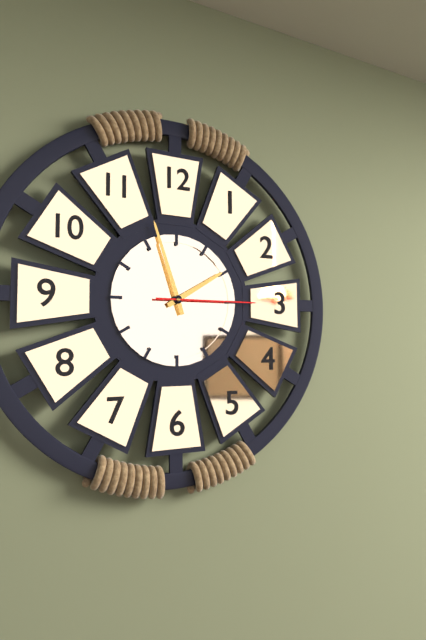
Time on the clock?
1:57:15
